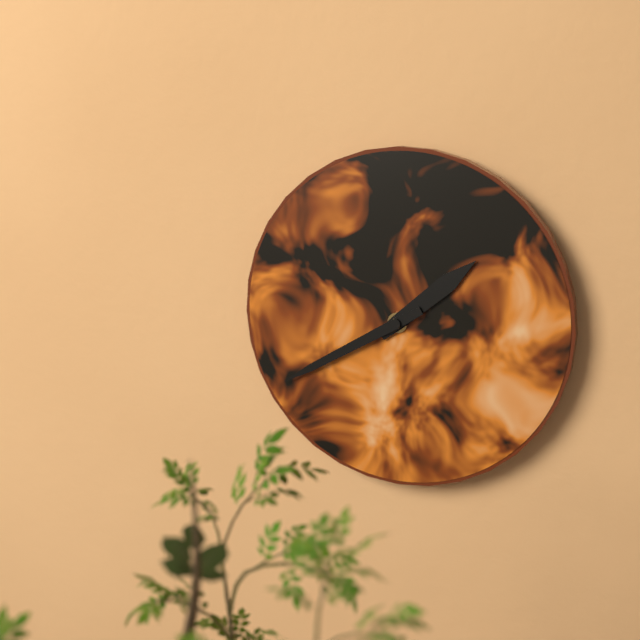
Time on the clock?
1:40
